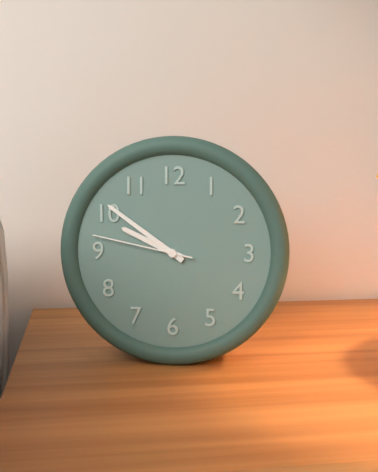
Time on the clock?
9:51:47
